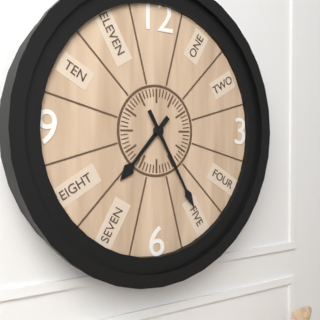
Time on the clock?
7:25
